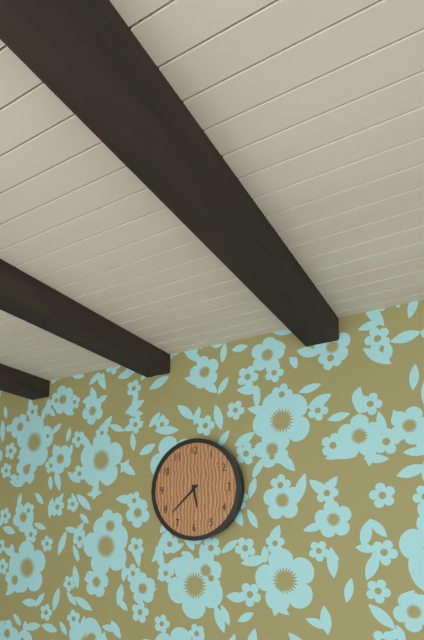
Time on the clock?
5:38
